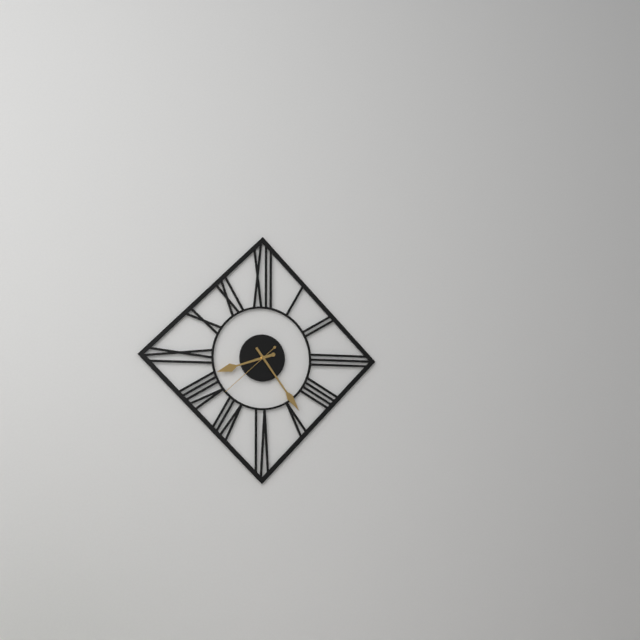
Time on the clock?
8:24:38
